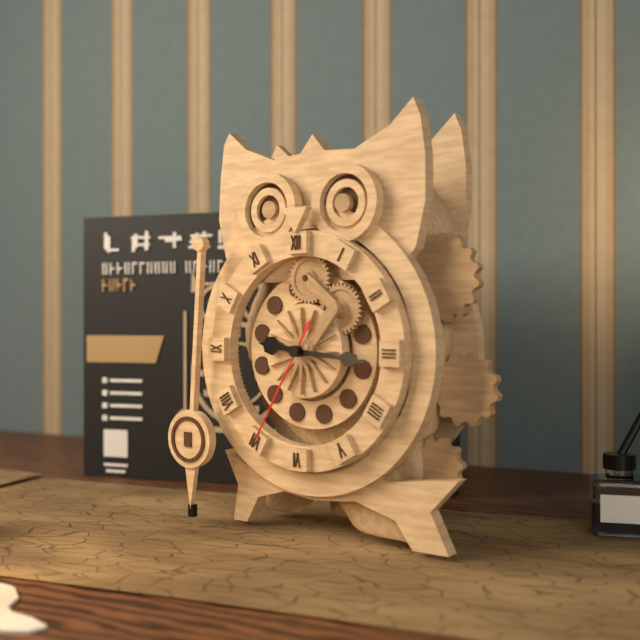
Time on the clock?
9:16:35
